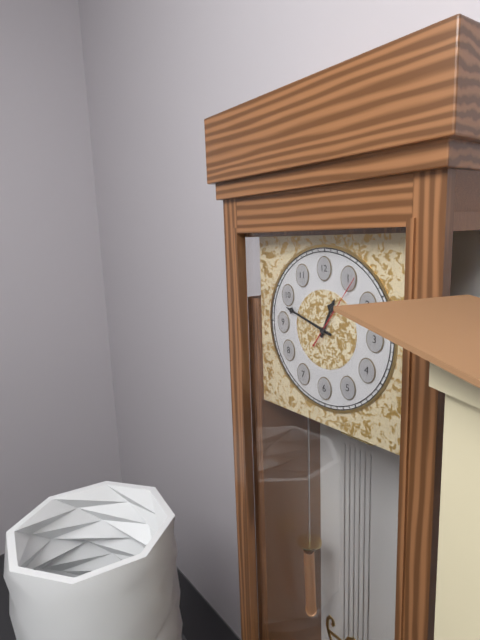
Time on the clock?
12:48:06
